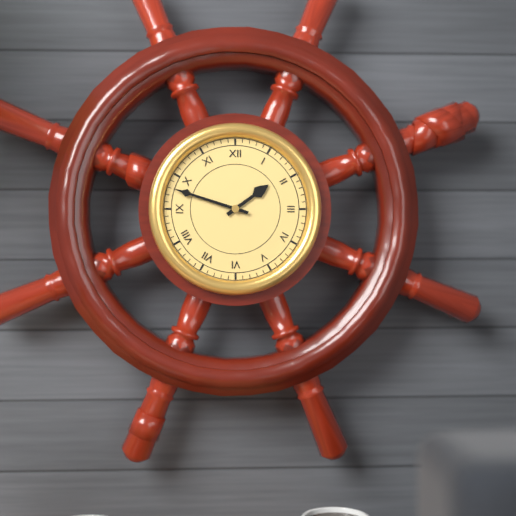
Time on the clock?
1:48
